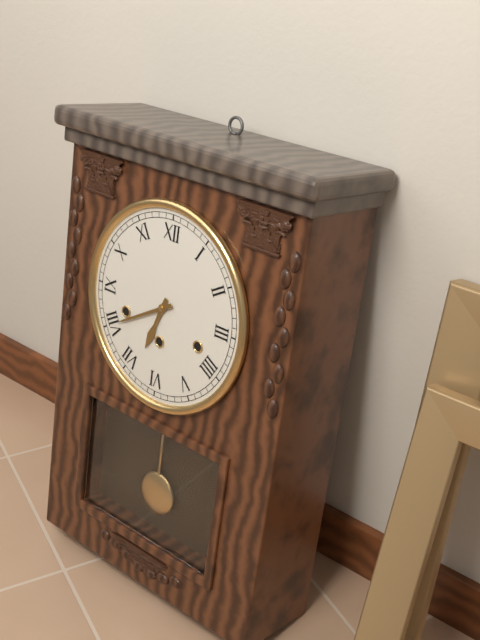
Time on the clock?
6:40
